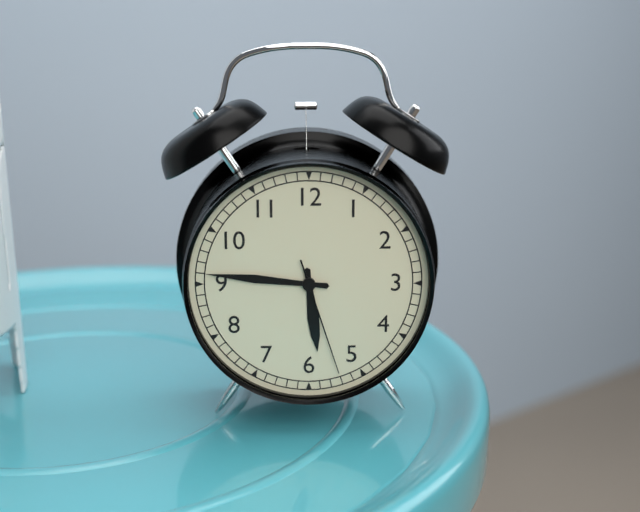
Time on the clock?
5:46:27
